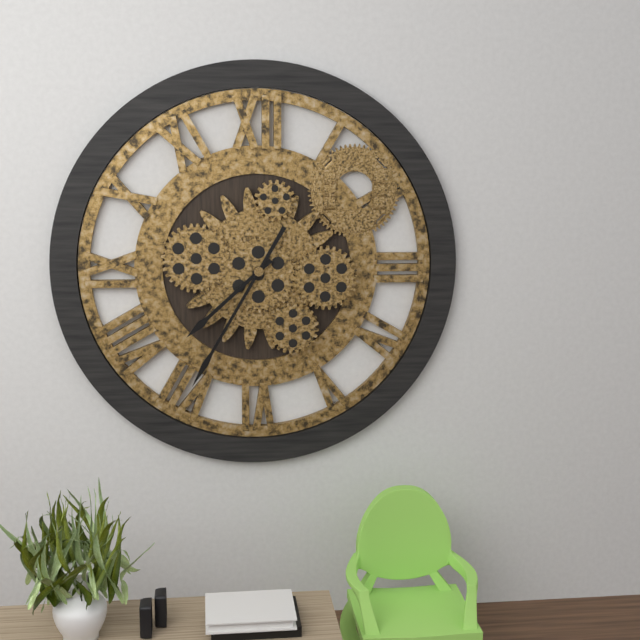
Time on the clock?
7:35
